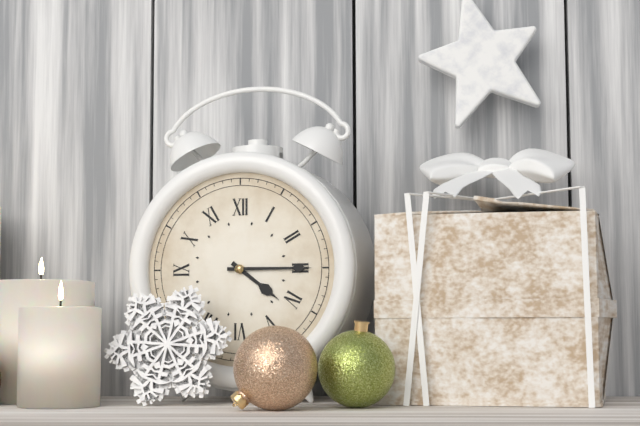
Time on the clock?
4:15
